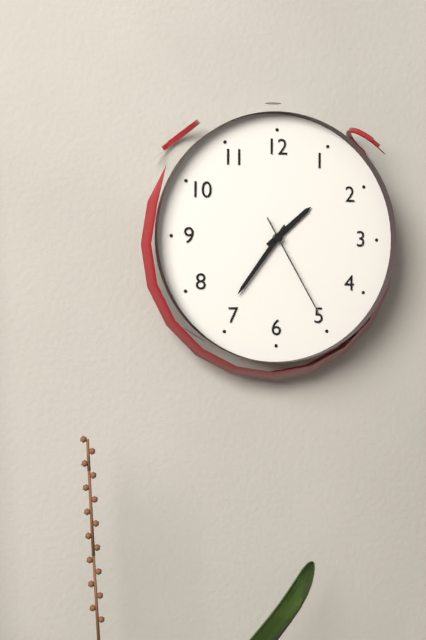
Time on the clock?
1:36:25
